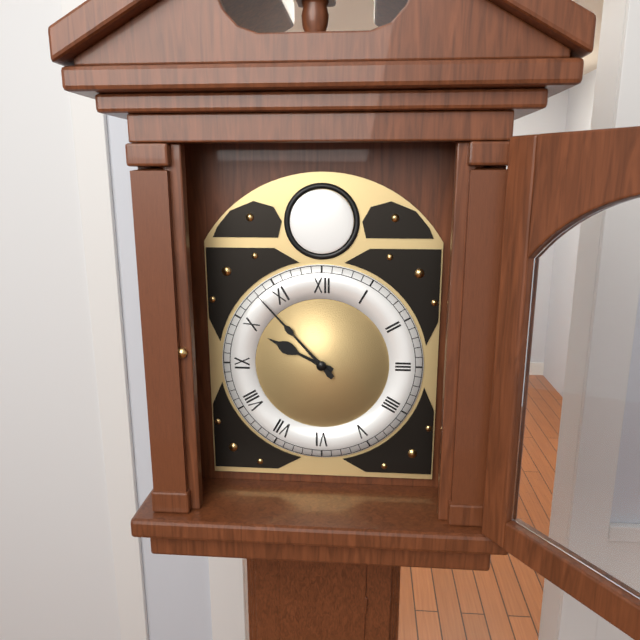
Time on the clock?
9:53
